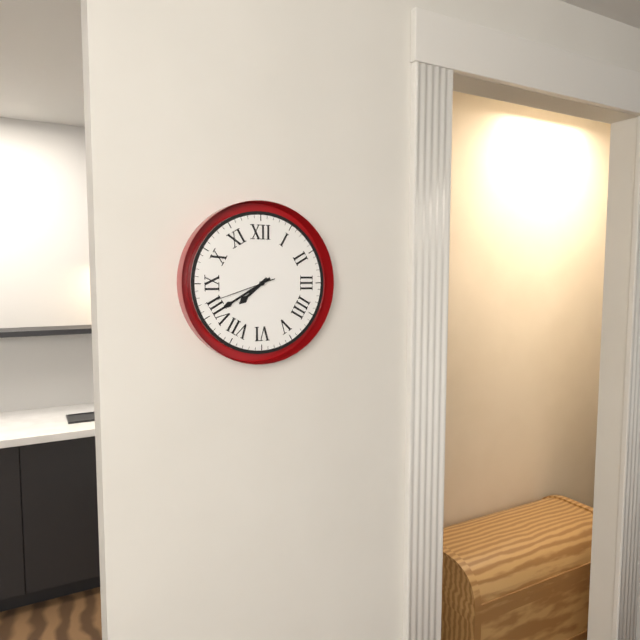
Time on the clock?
7:40:42
